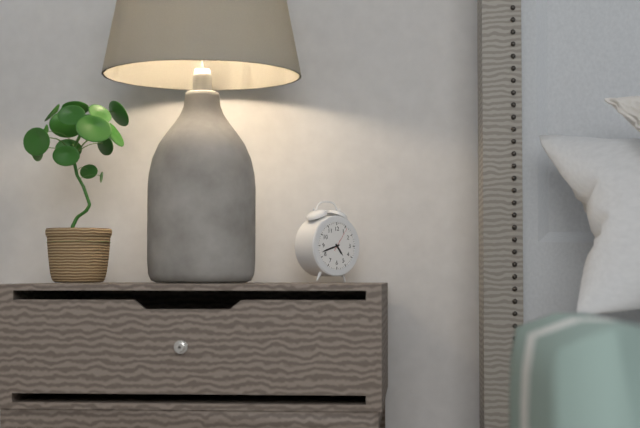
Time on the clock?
4:42
